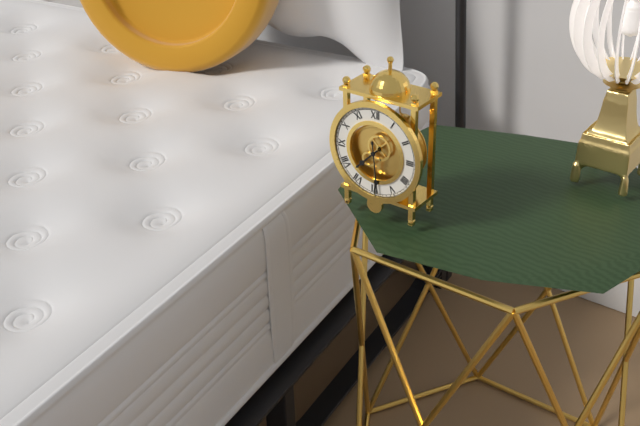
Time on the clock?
7:29
